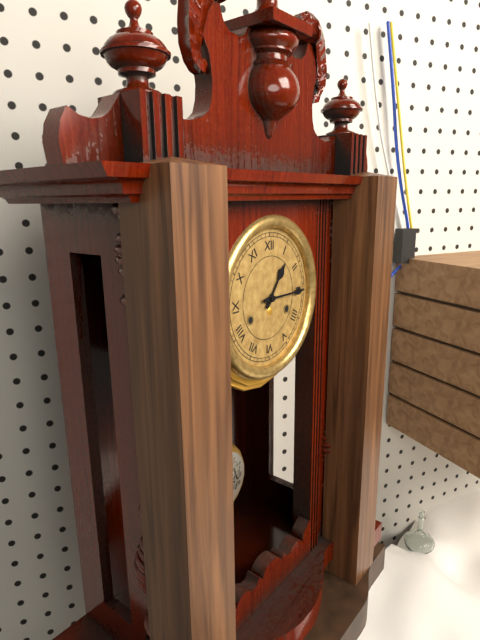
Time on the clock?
1:15
